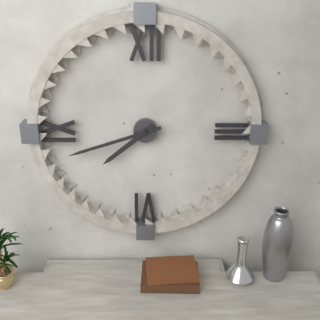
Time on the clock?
7:42
